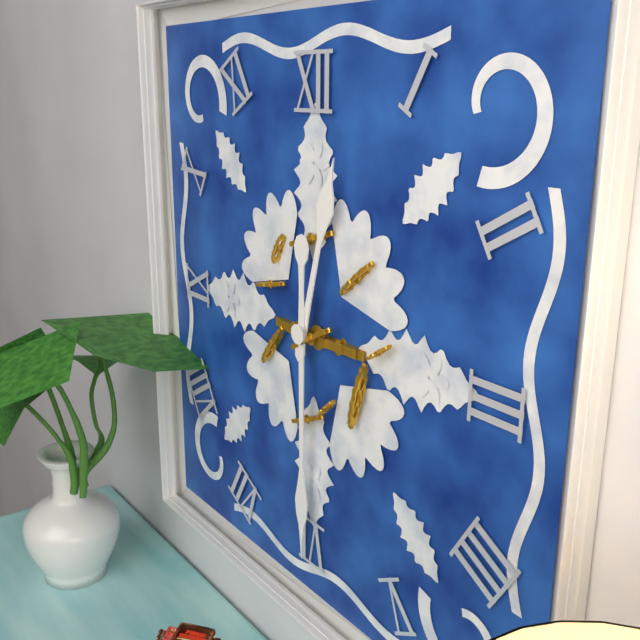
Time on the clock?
12:30
